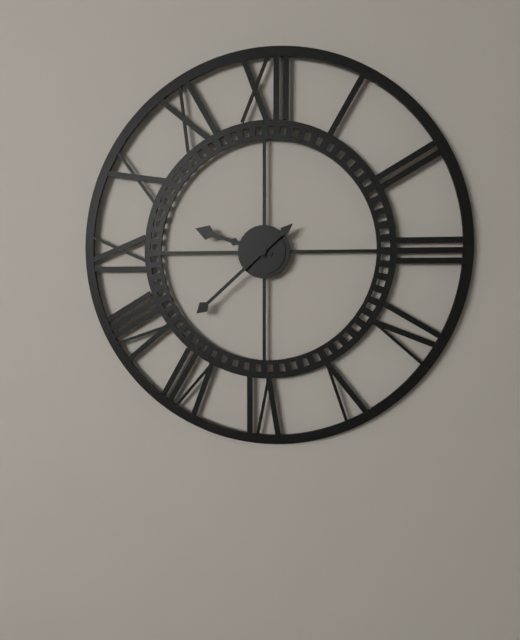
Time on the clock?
9:38
